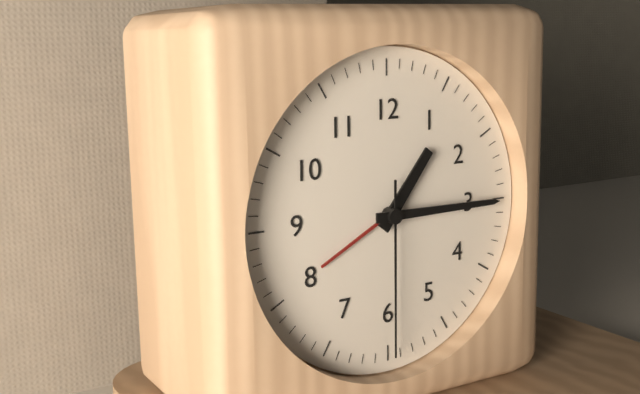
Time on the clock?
1:15:30
